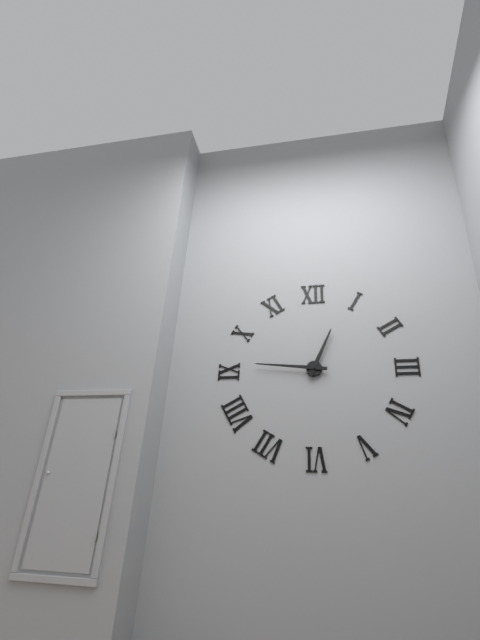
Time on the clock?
12:46
